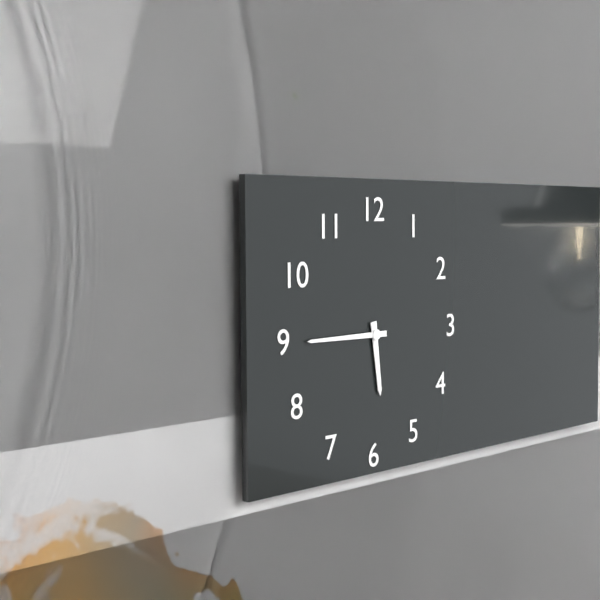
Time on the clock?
5:45
